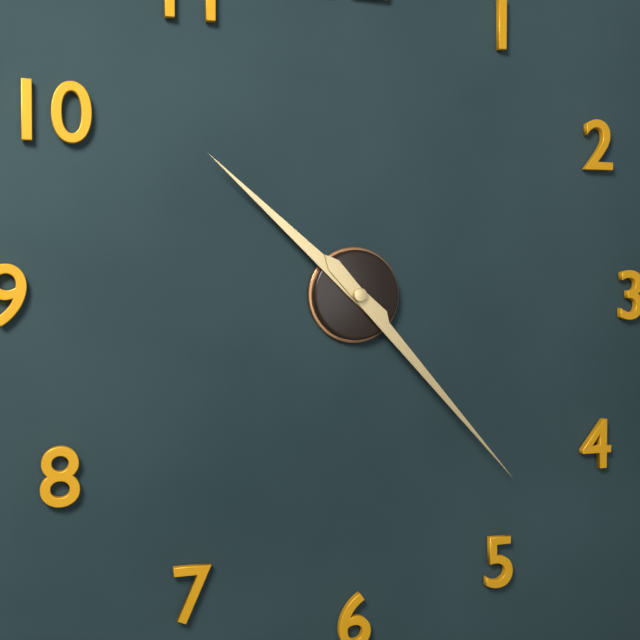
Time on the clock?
10:23
